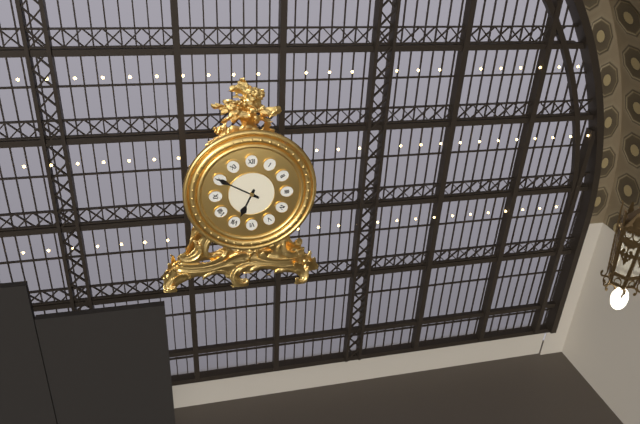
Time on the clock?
6:50
